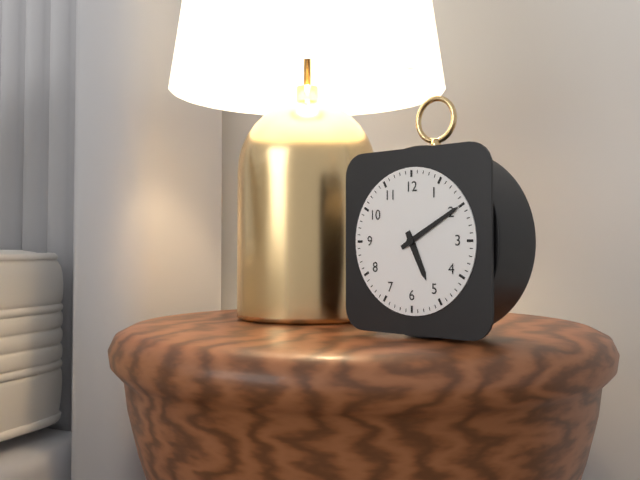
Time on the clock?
5:10
